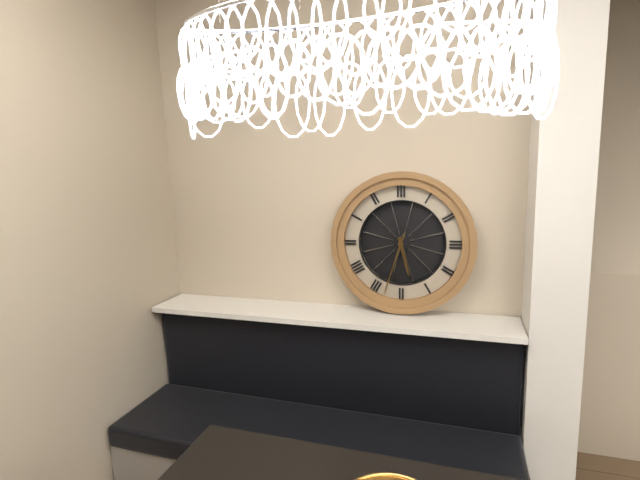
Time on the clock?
5:33
